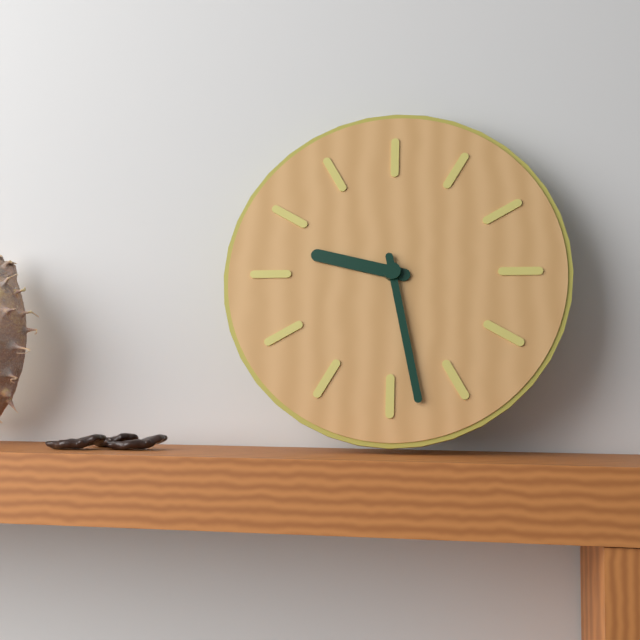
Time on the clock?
9:28
